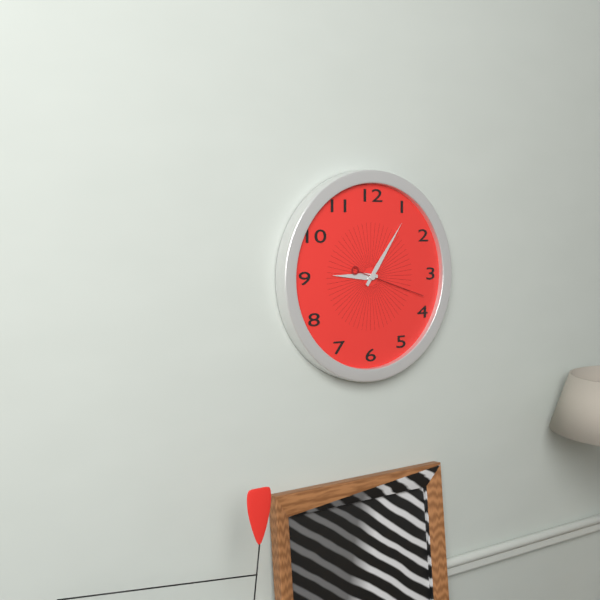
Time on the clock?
9:06:18
